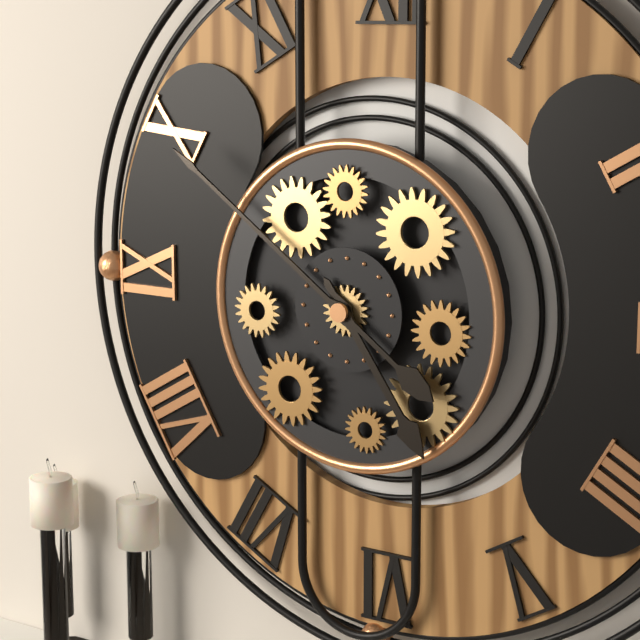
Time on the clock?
4:51
